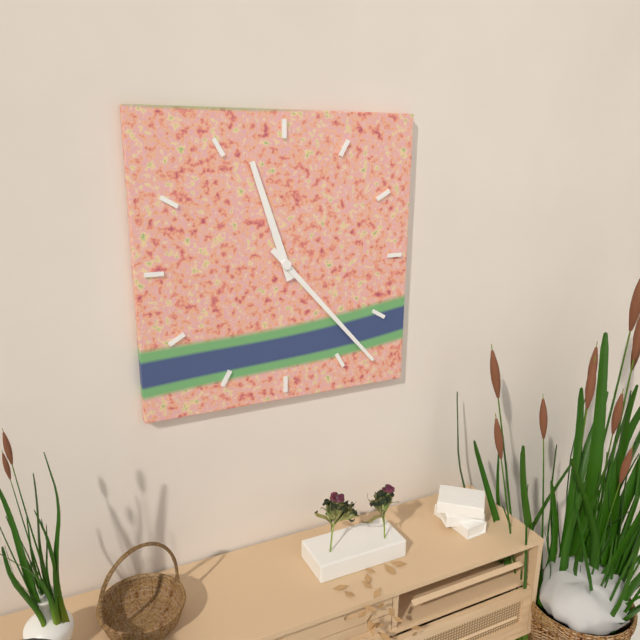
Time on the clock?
11:23
